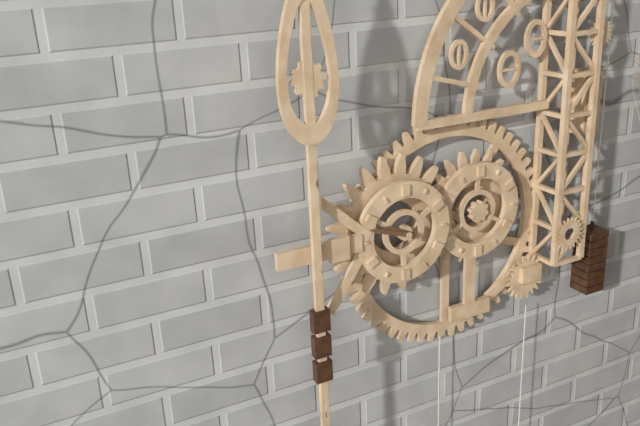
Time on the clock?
9:48
